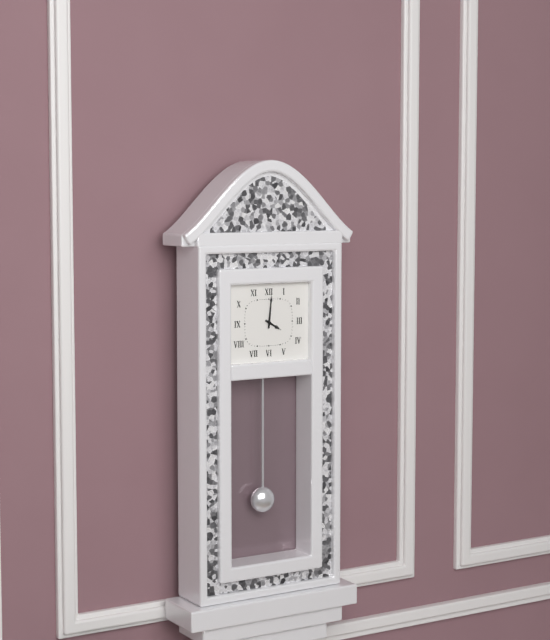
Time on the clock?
4:01
